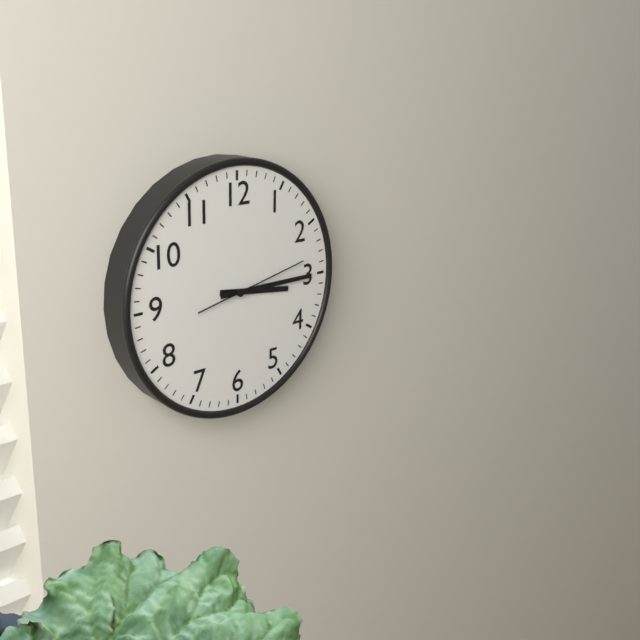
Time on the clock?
3:15:13
